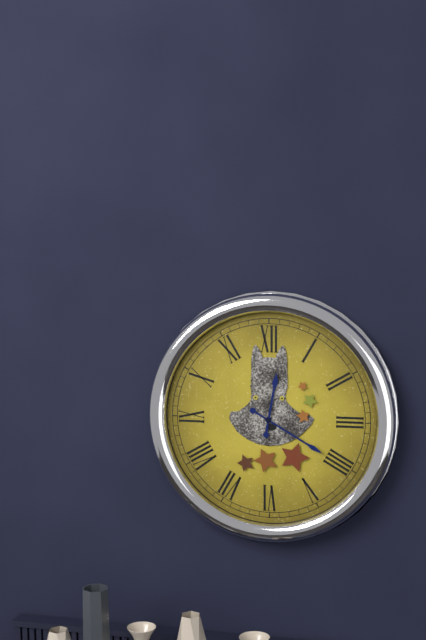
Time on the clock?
12:20
